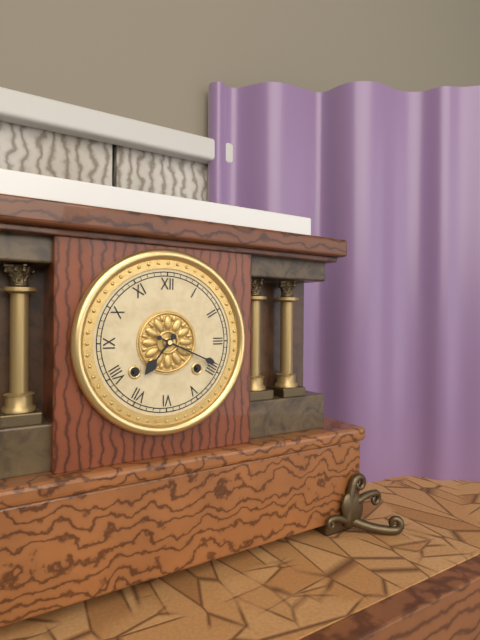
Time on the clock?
7:19
